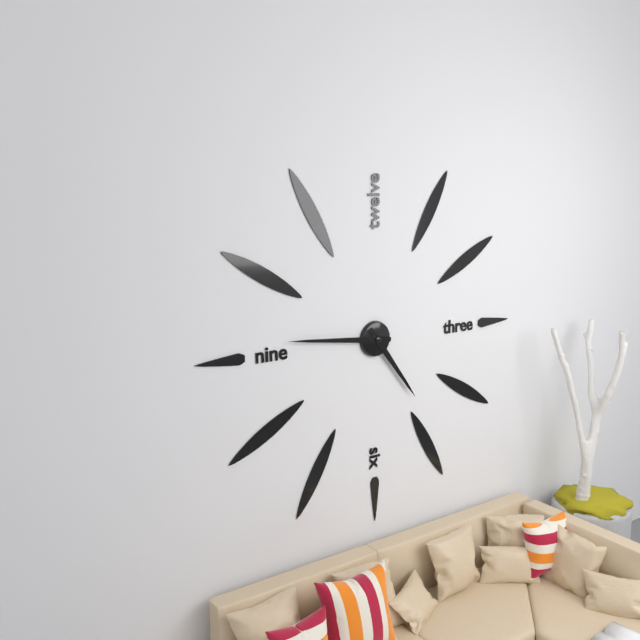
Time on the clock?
4:46
